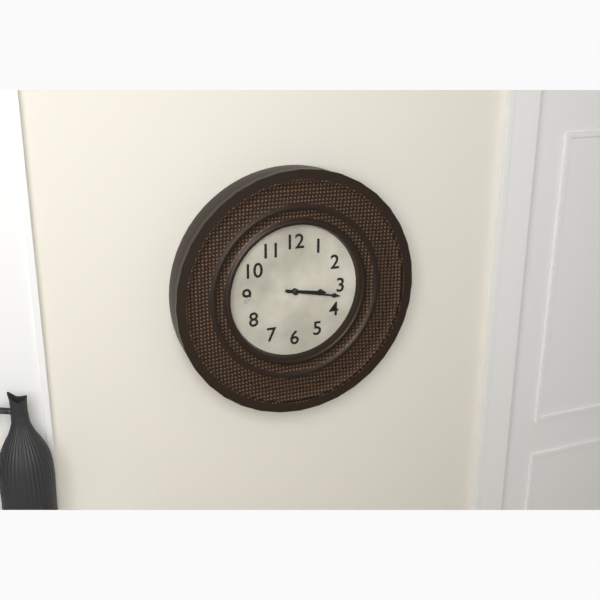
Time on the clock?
3:17
